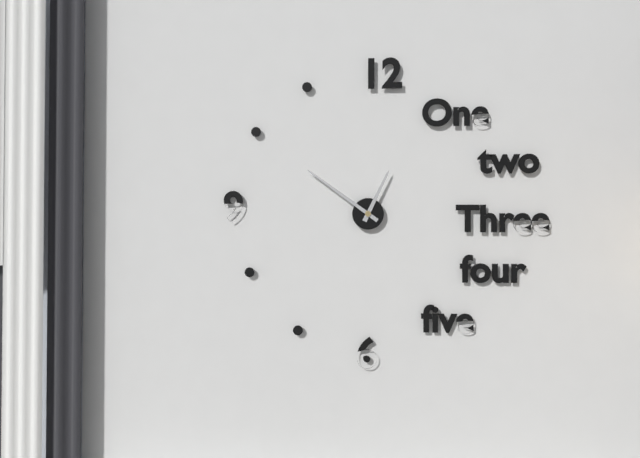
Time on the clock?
12:51
